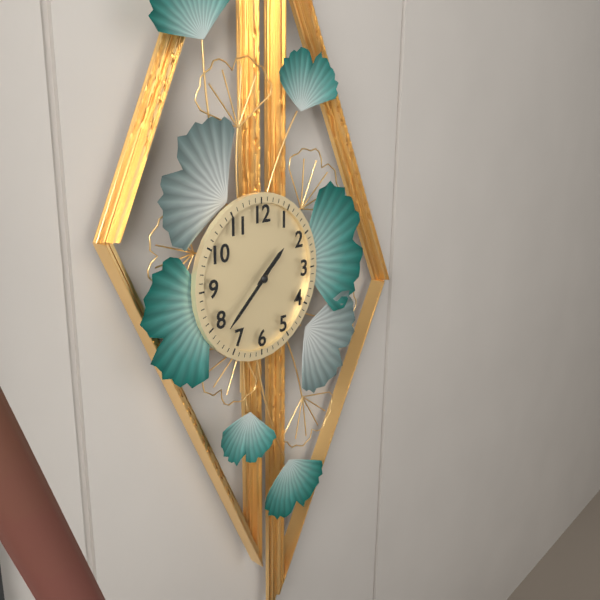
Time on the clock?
1:38
